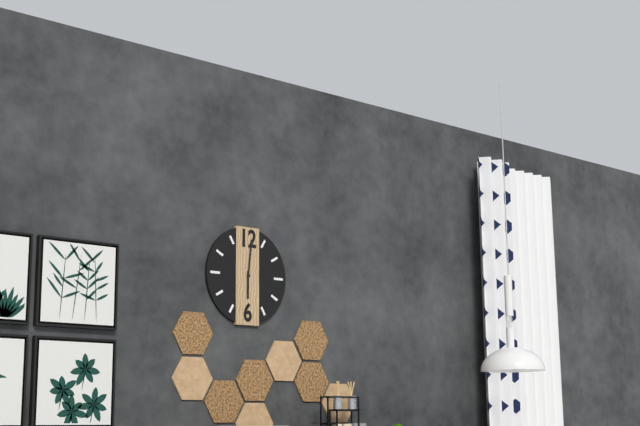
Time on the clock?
6:01
